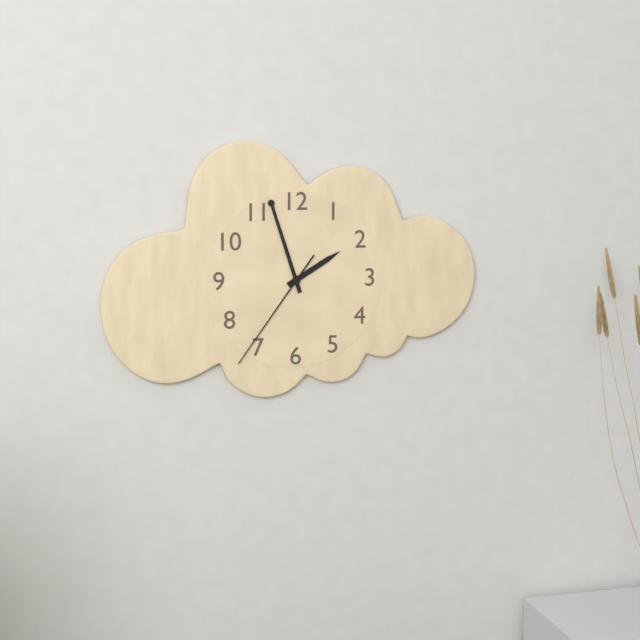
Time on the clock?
1:57:36
